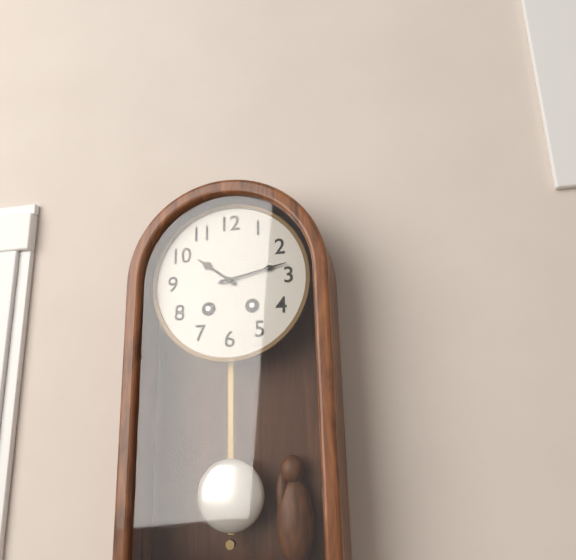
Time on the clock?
10:13
